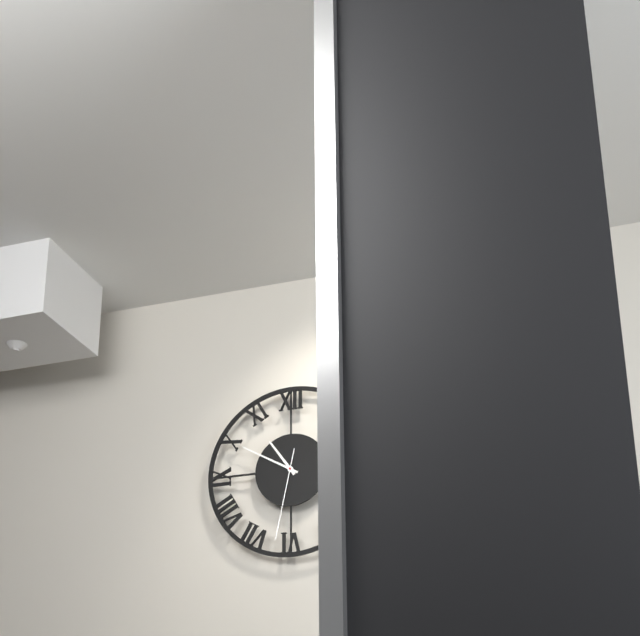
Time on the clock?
10:50:32
